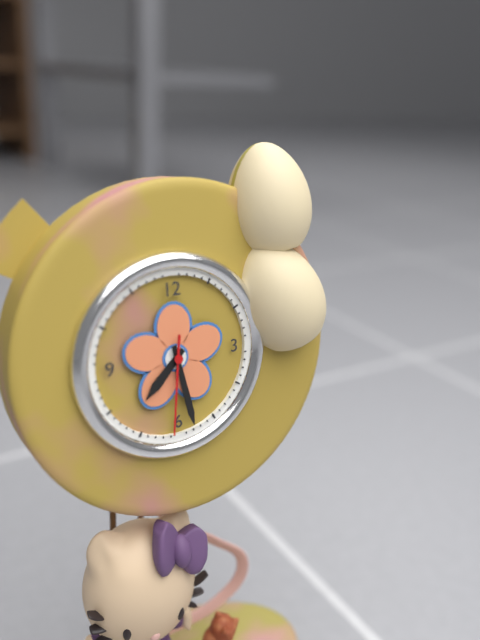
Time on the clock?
7:28:31
